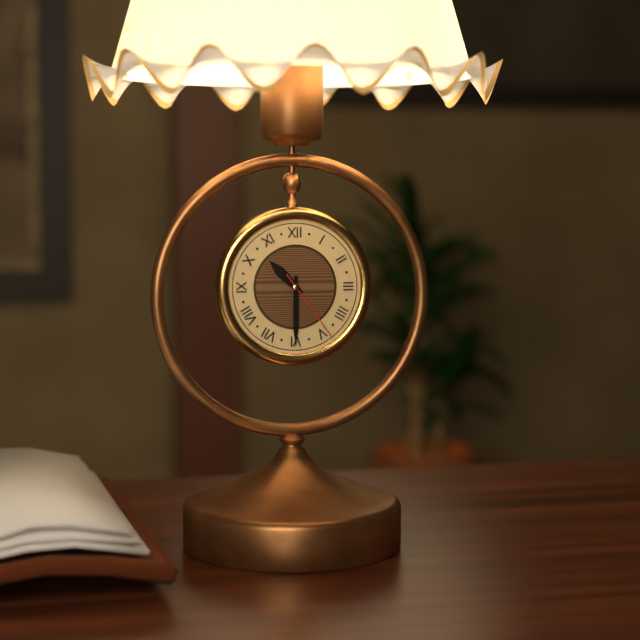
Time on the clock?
10:30:24
